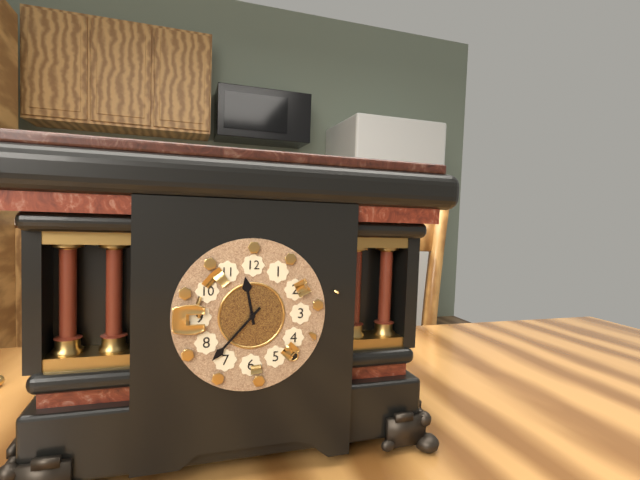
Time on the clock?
11:37
